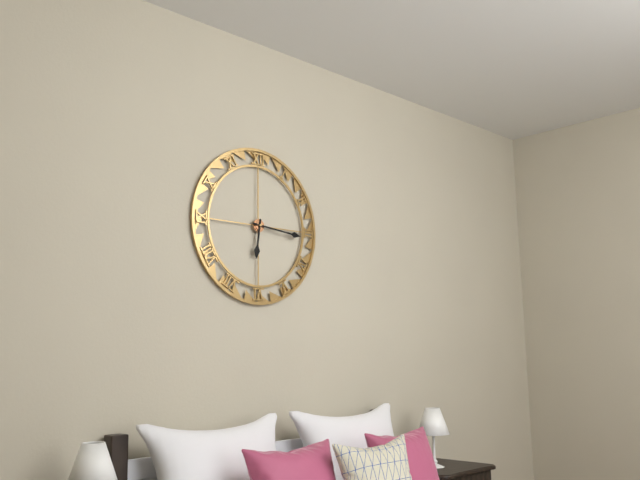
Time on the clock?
6:16
